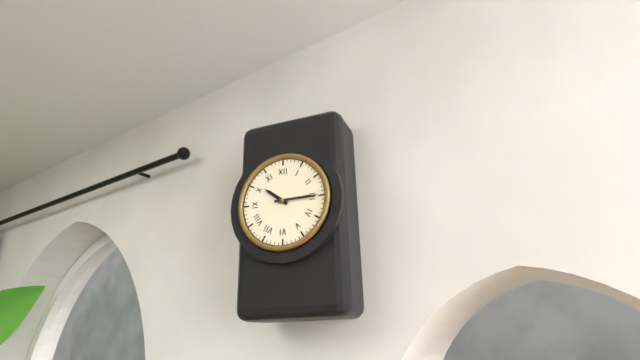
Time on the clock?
10:15
